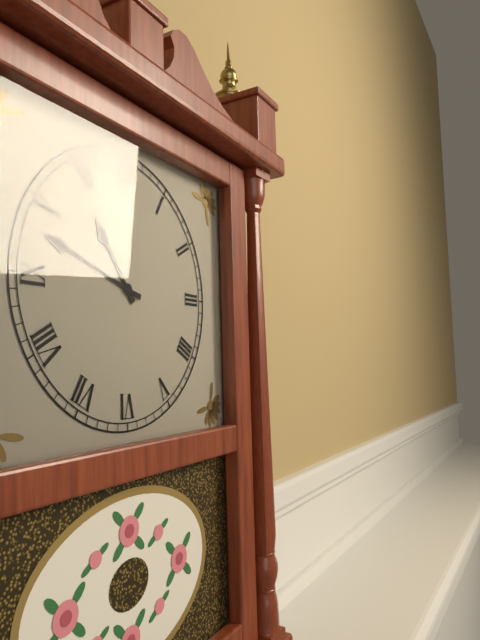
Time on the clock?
10:48
